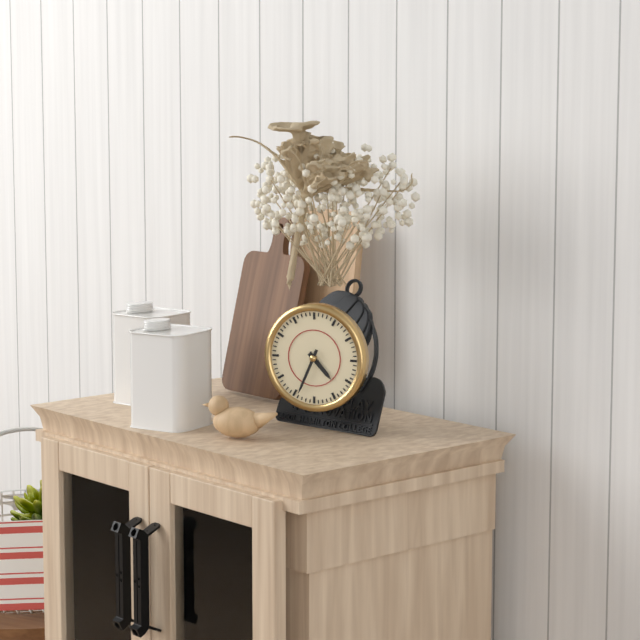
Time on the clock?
4:34
